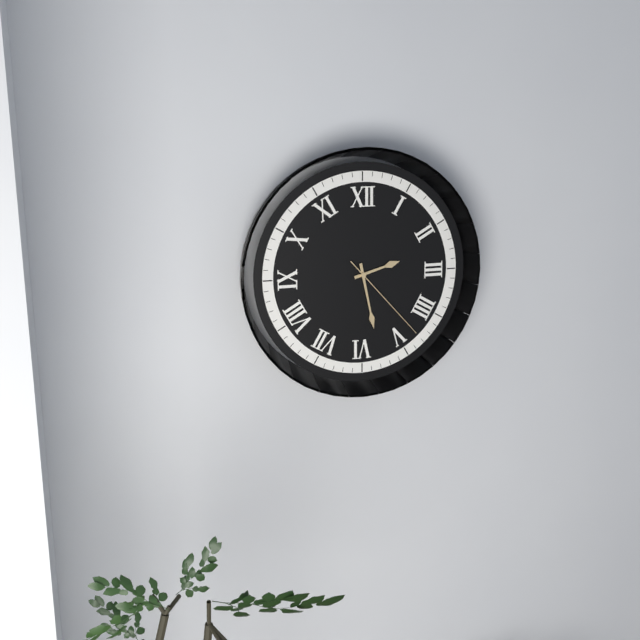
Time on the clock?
2:28:23
